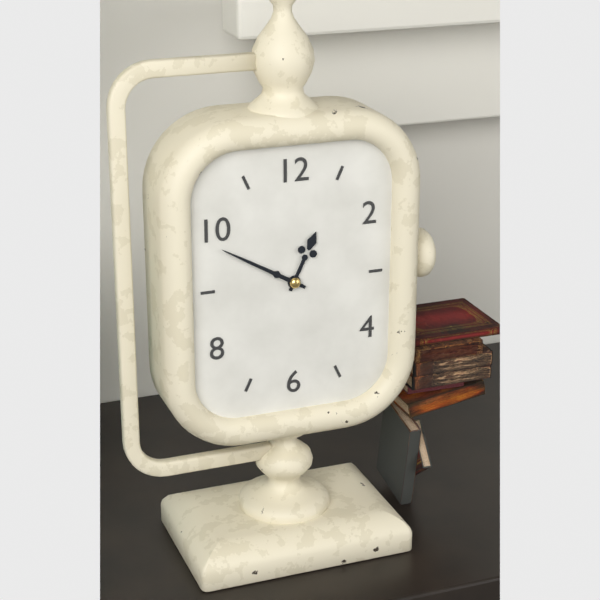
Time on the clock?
12:50
